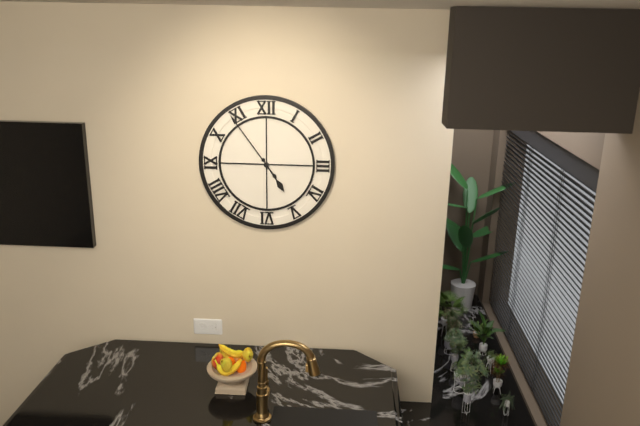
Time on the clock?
4:54
